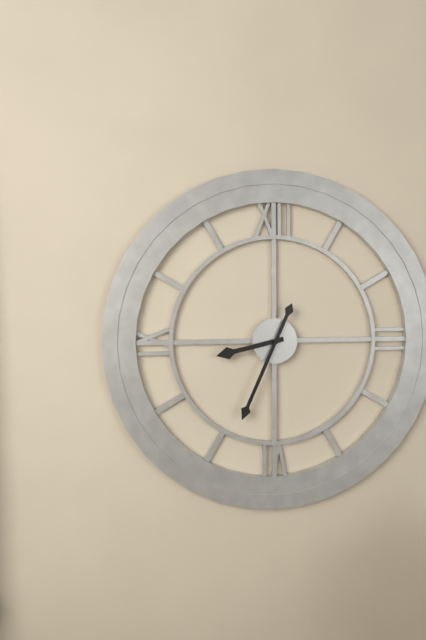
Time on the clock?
8:34
